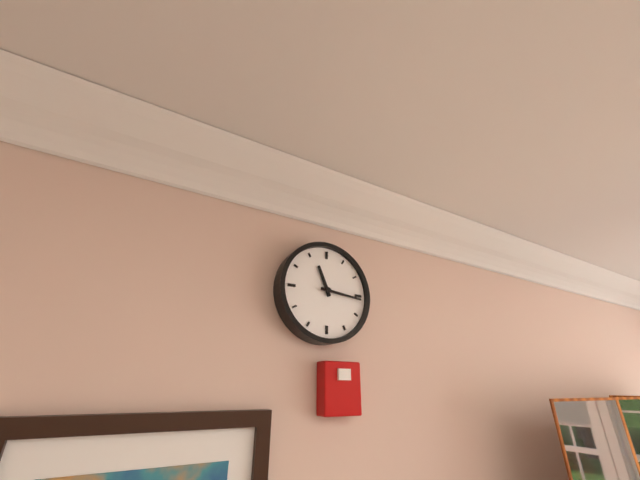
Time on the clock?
11:16
